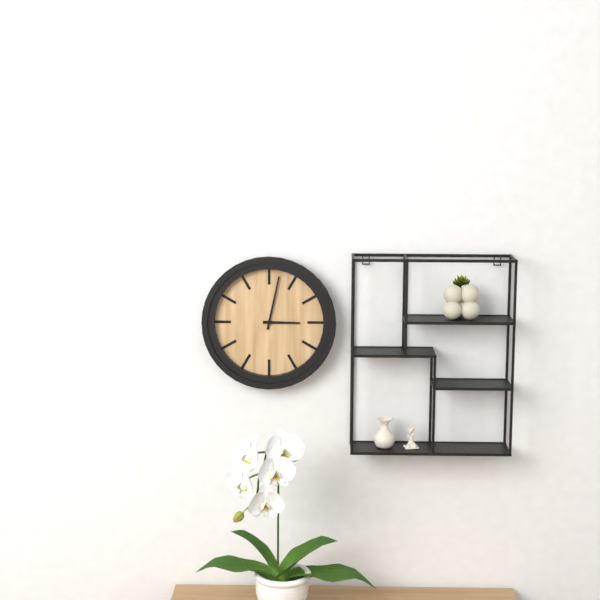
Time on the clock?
3:02
